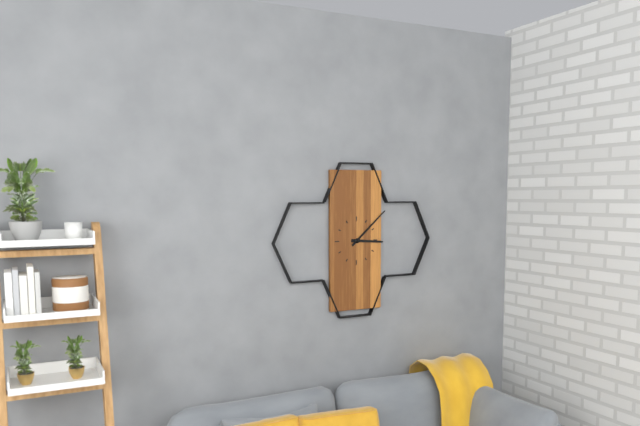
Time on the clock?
3:08
